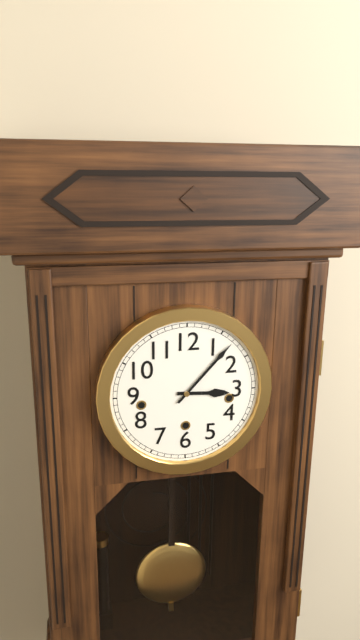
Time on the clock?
3:07
